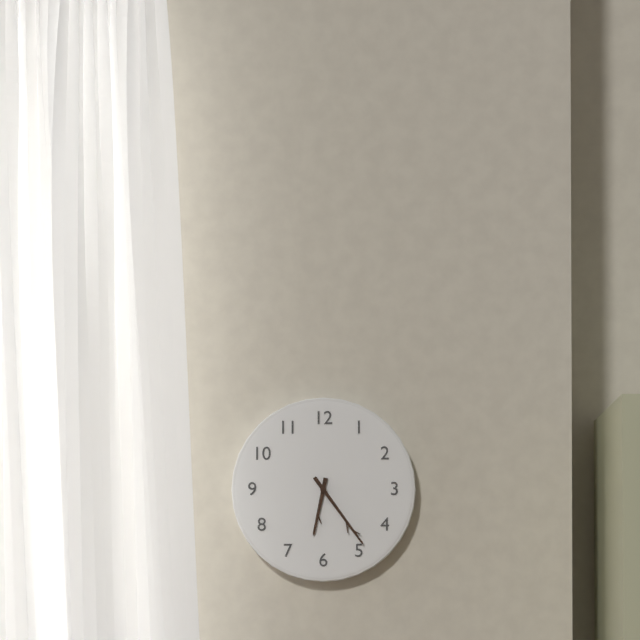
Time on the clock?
6:24
